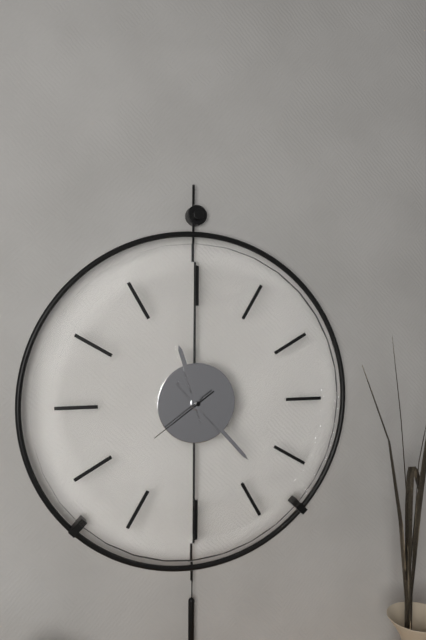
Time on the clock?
11:23:39
